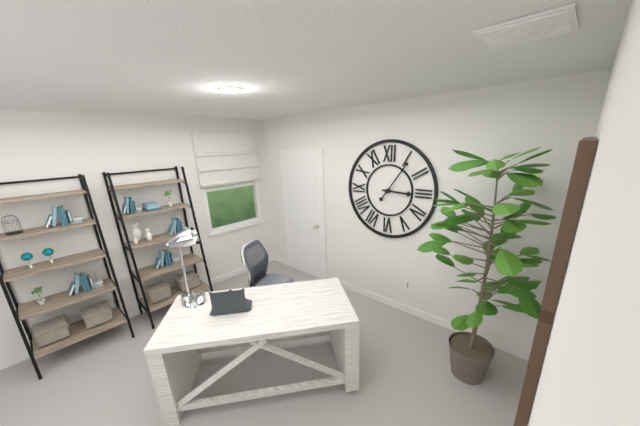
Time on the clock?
3:06
